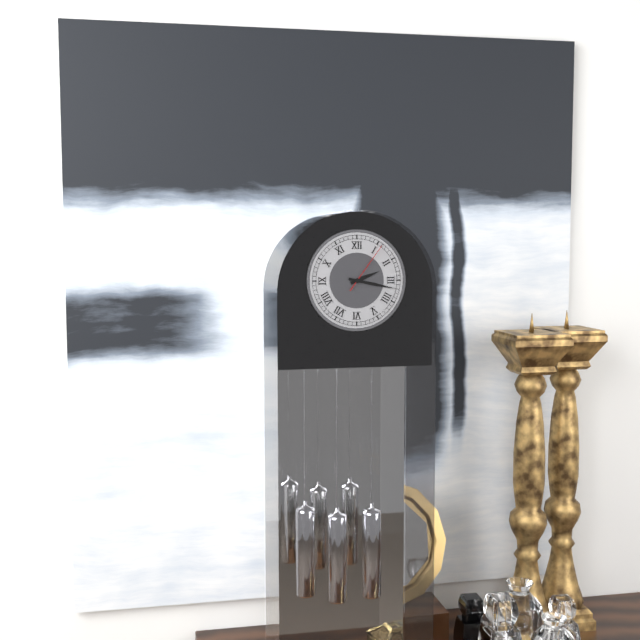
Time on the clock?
2:17:06
